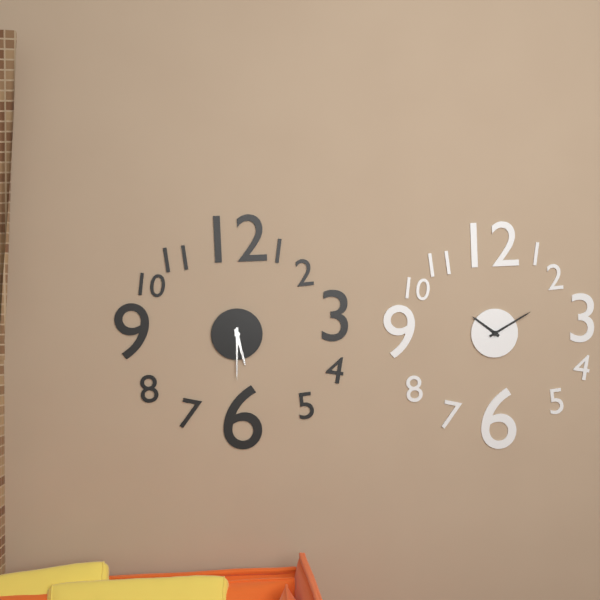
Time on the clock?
5:30
